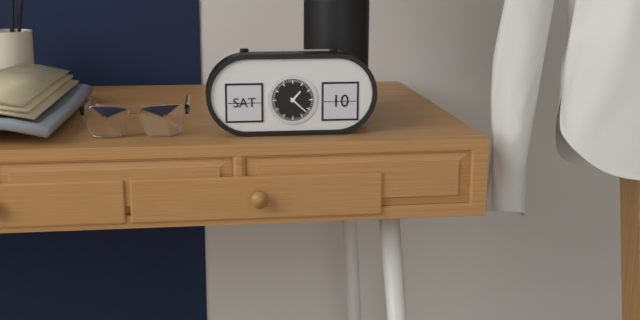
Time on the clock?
1:22
